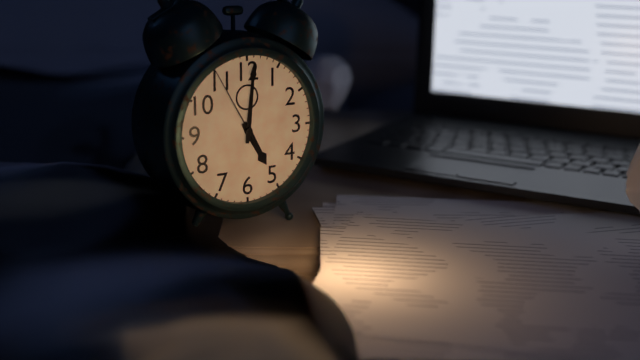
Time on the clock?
5:01:55
